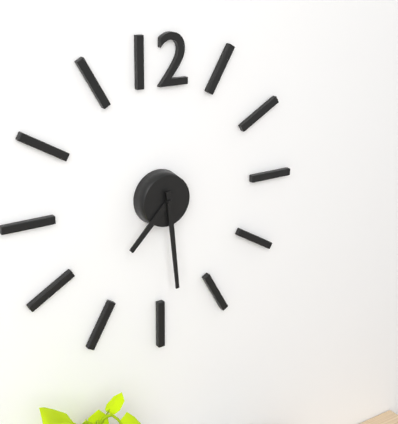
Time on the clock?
7:29
